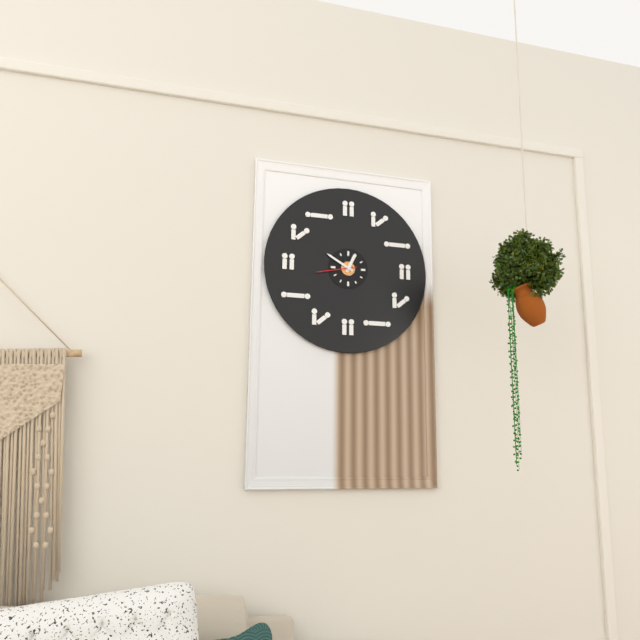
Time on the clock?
12:50
